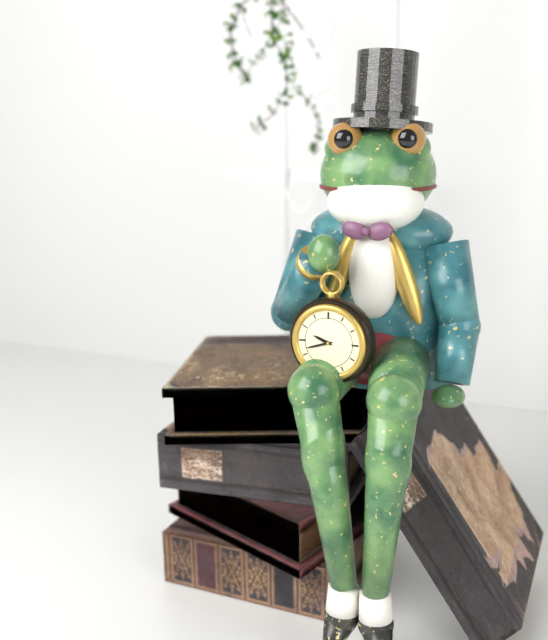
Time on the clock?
9:42
